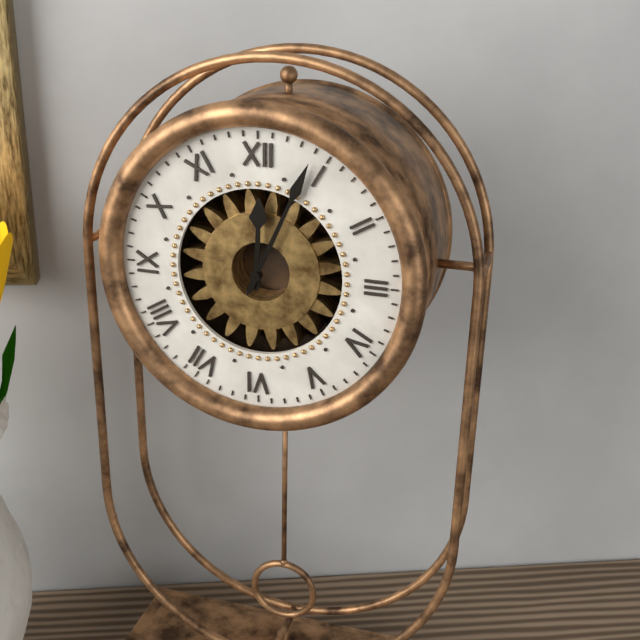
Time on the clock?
12:04
